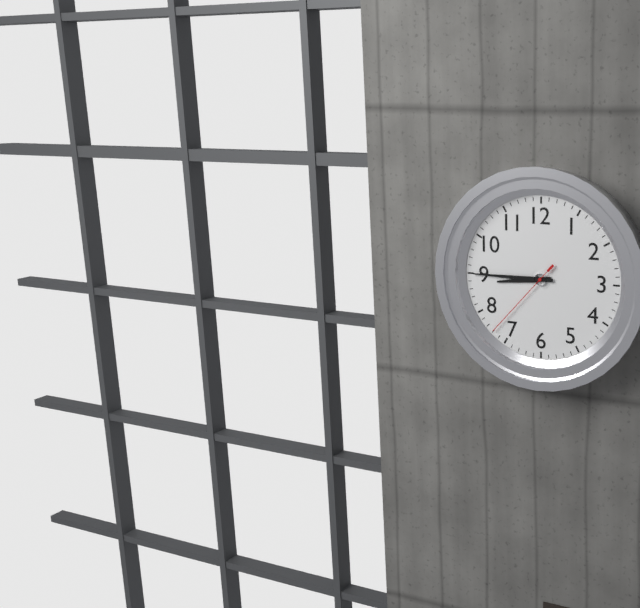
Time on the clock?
8:45:37
